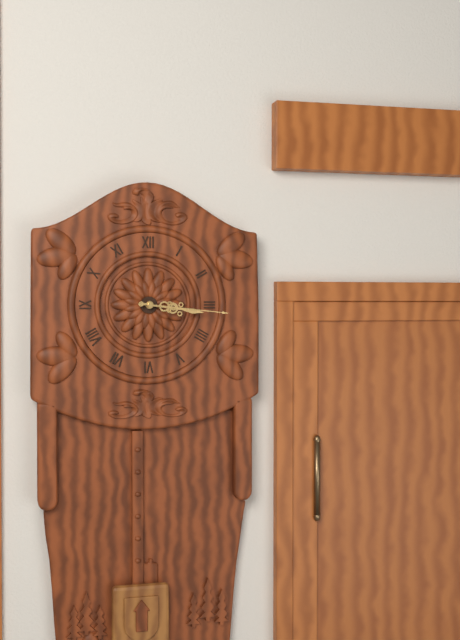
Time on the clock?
3:16
